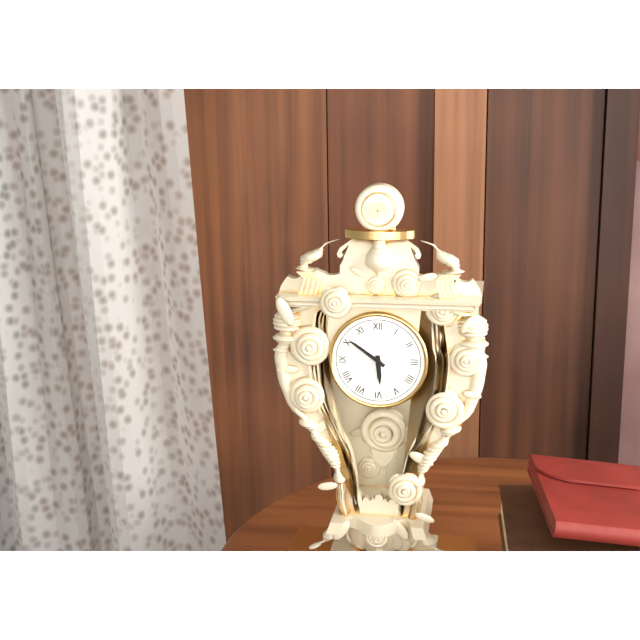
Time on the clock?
5:51
